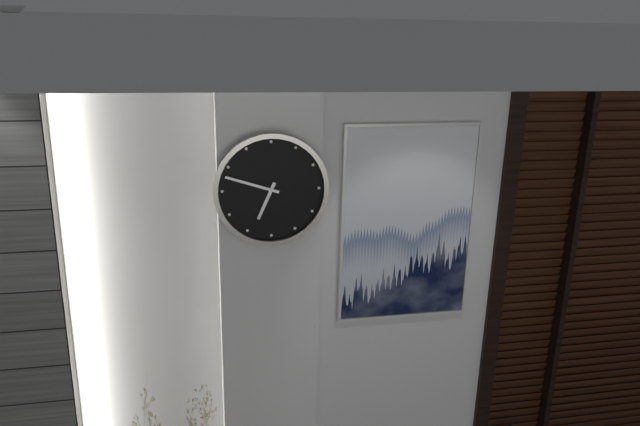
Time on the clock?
6:48
